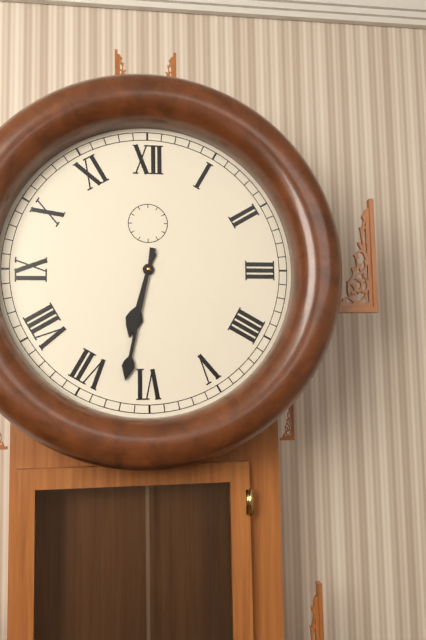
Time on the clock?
6:32
